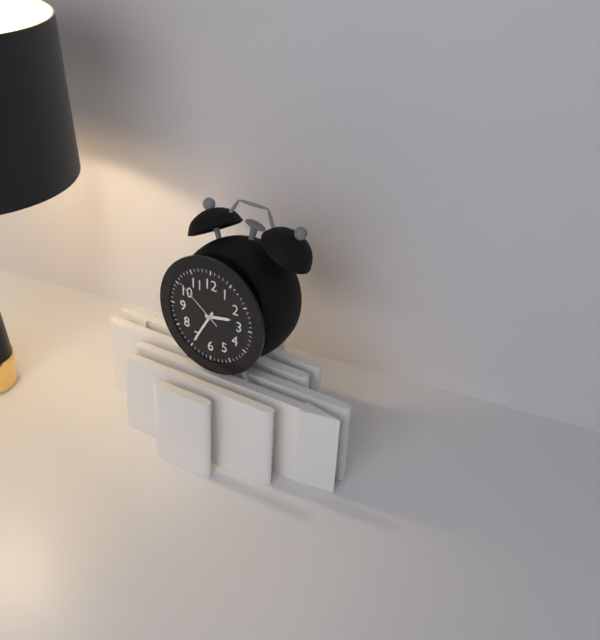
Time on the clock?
2:35:51
